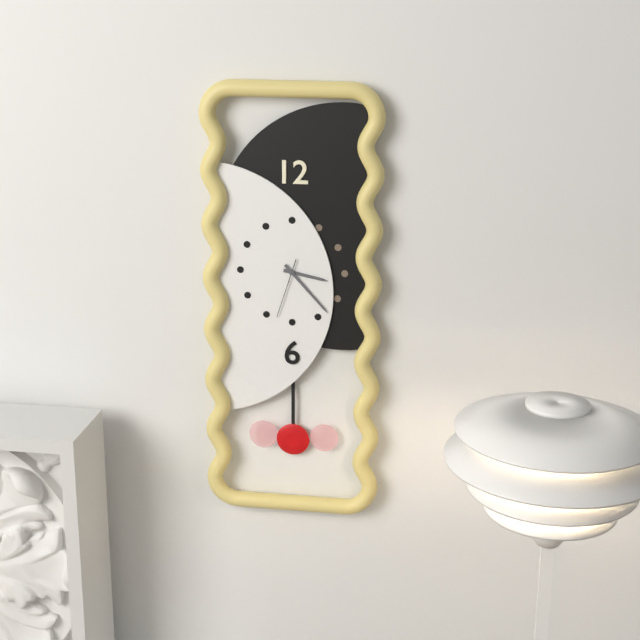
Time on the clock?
3:23:33
